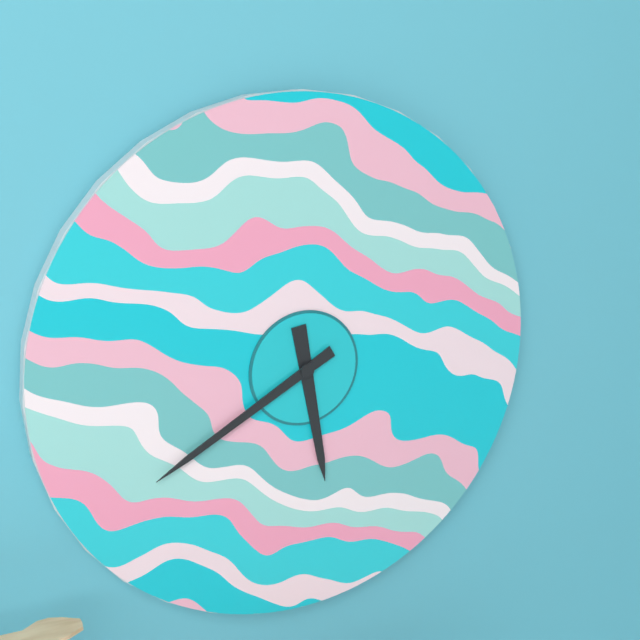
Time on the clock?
5:40
